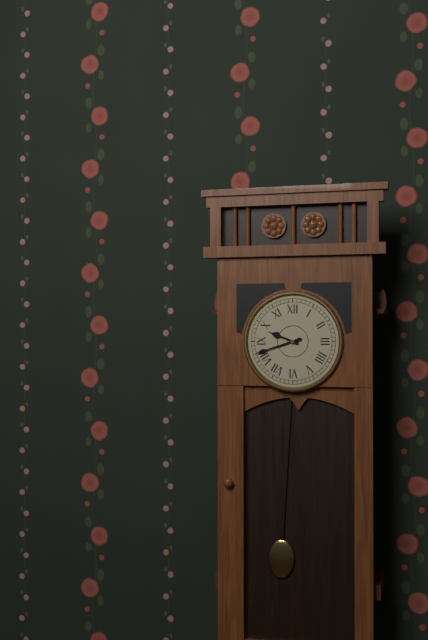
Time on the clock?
9:42
